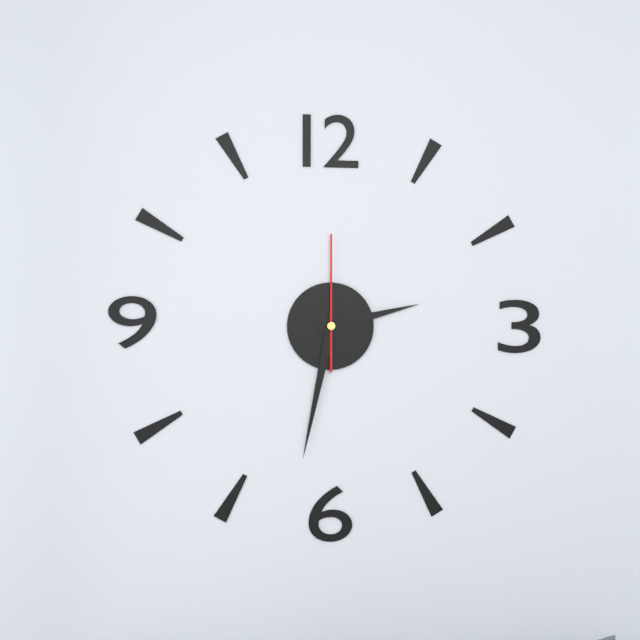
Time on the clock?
2:32:00
